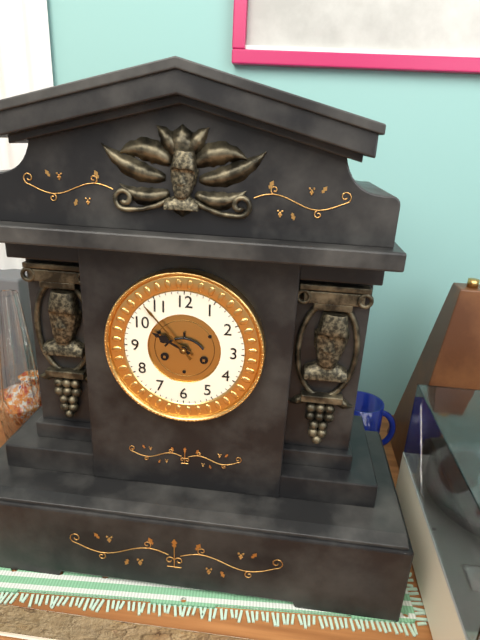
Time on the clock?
9:53
